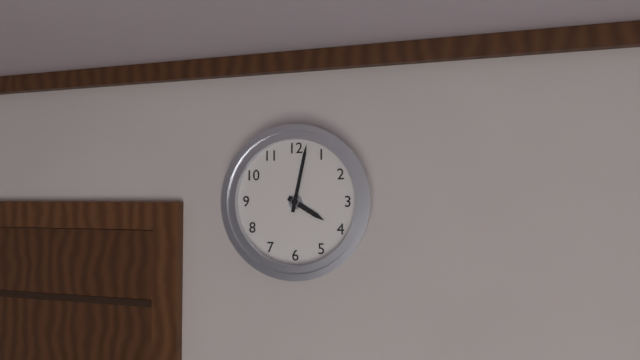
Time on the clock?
4:02
